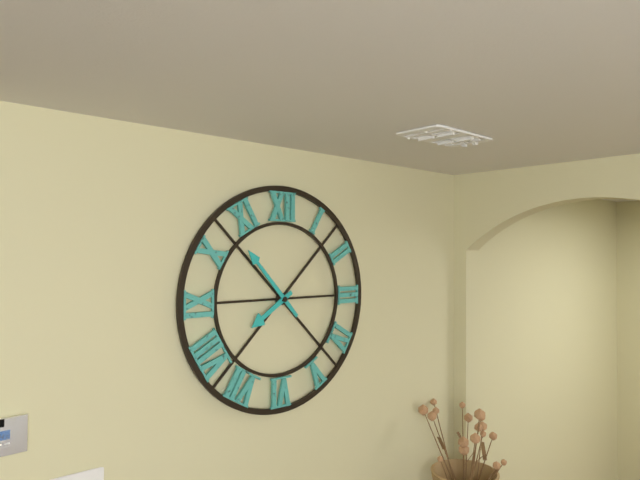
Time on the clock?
7:53
